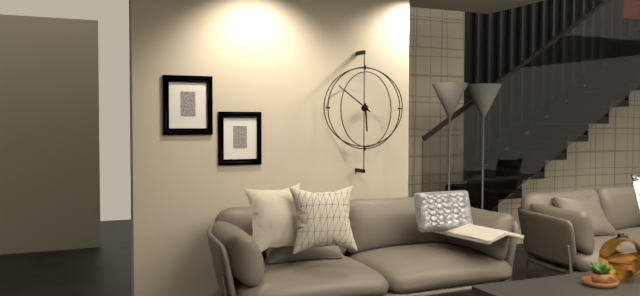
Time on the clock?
5:51
